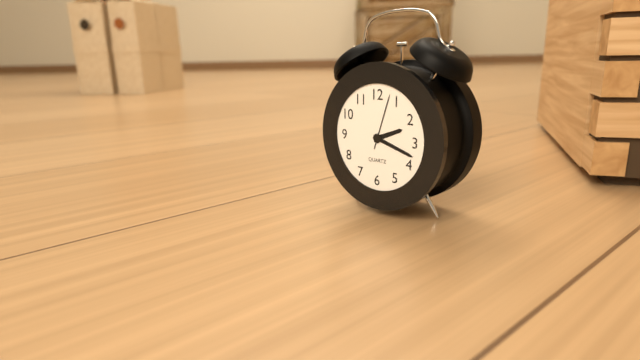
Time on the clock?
2:18:03
